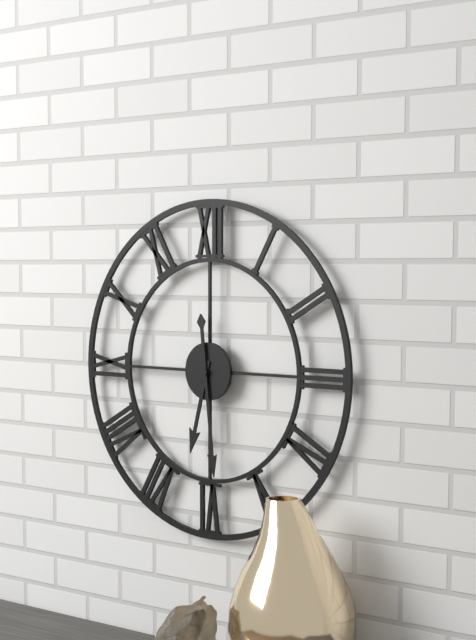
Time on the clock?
6:29
